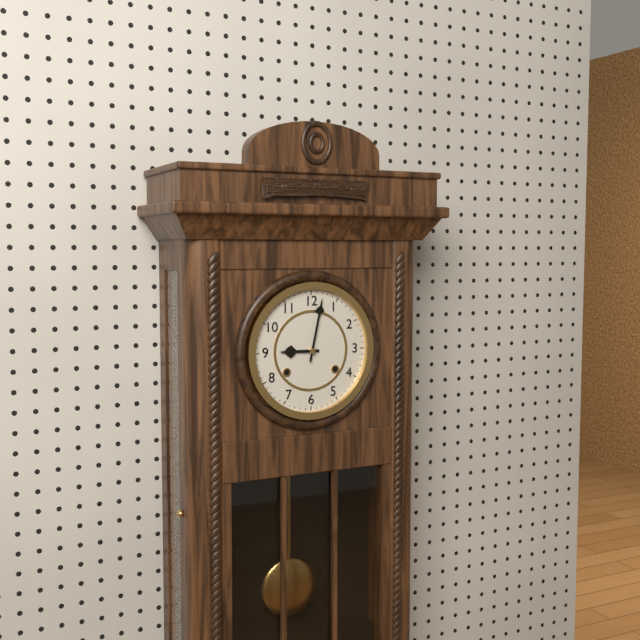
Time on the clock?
9:02
